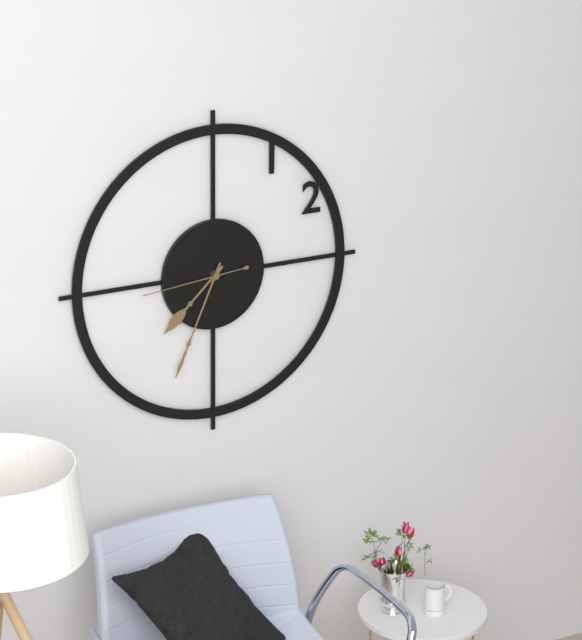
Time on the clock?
7:34:44
